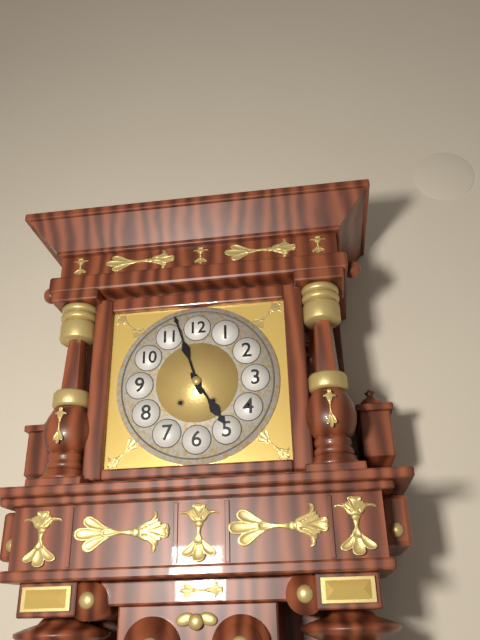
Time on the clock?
4:57
